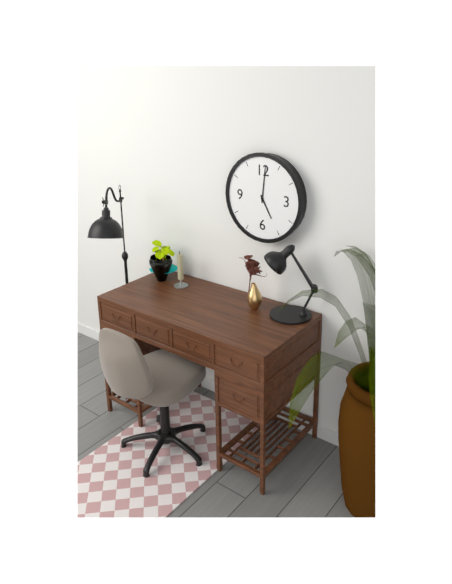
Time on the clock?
5:01
